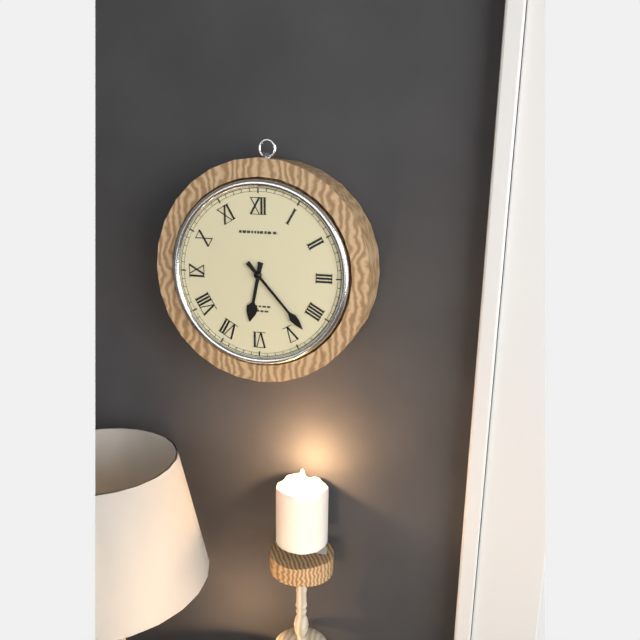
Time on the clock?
6:23
